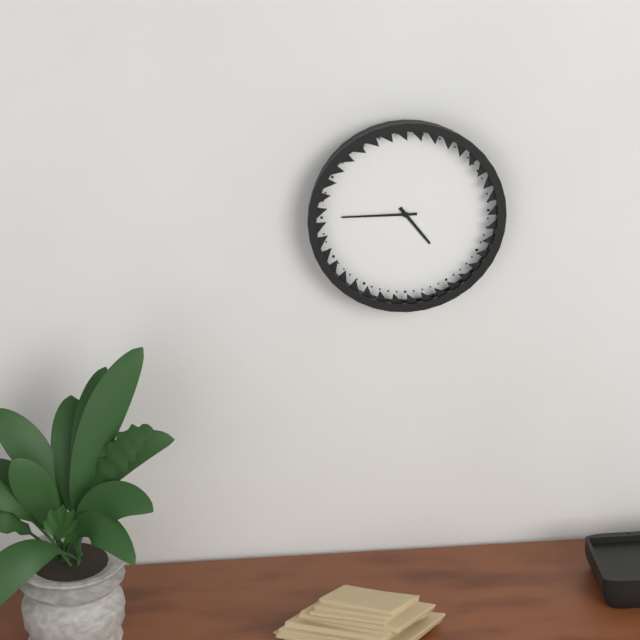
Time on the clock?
4:45
